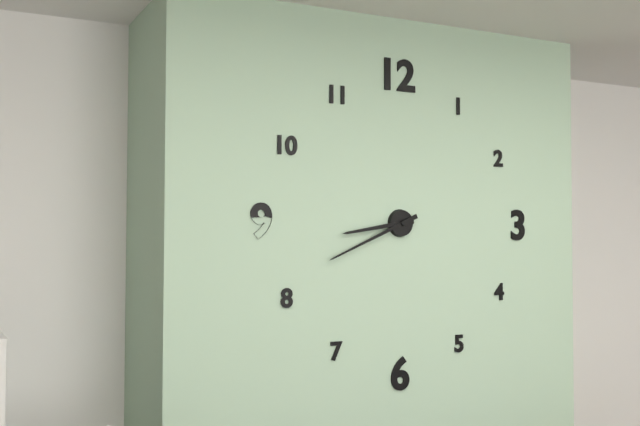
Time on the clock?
8:41
